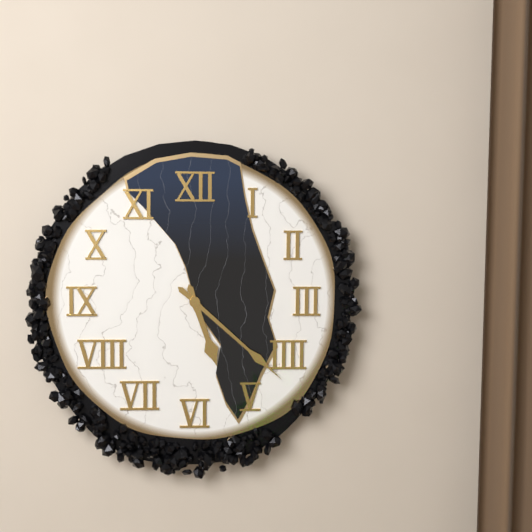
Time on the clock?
5:22
